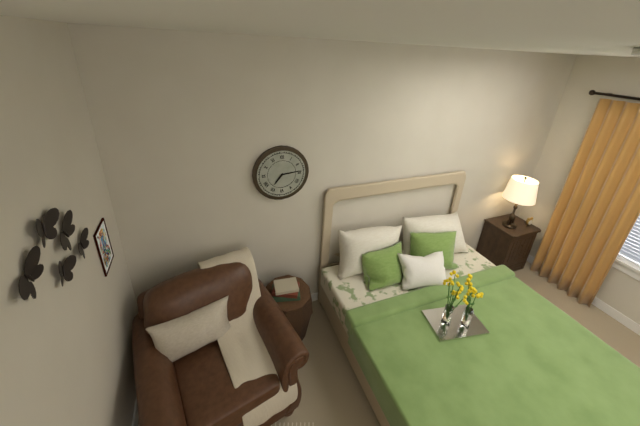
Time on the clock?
7:14
